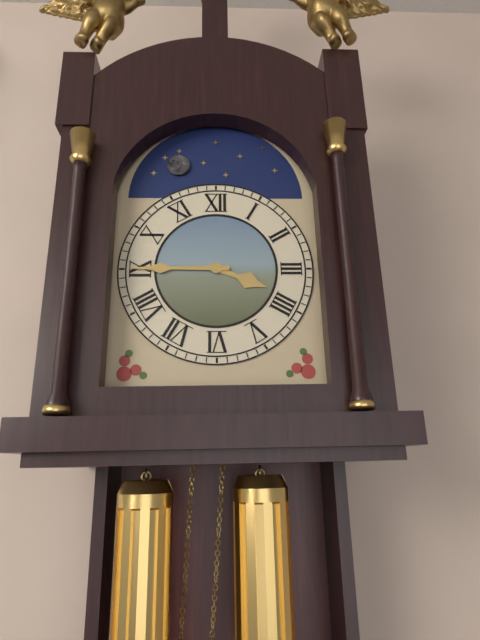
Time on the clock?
3:45
